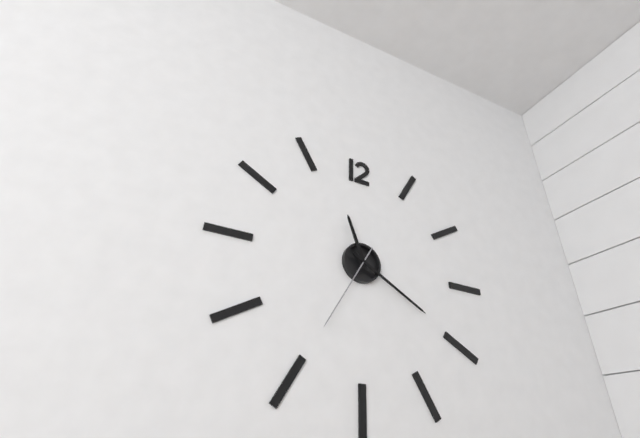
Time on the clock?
11:20:35
